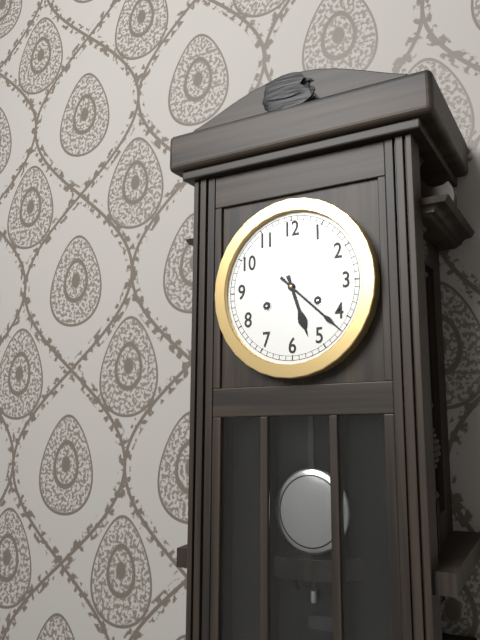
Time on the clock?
5:22
